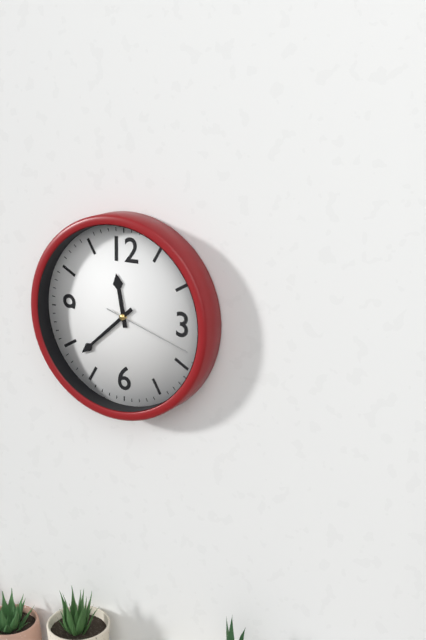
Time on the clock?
11:38:18
